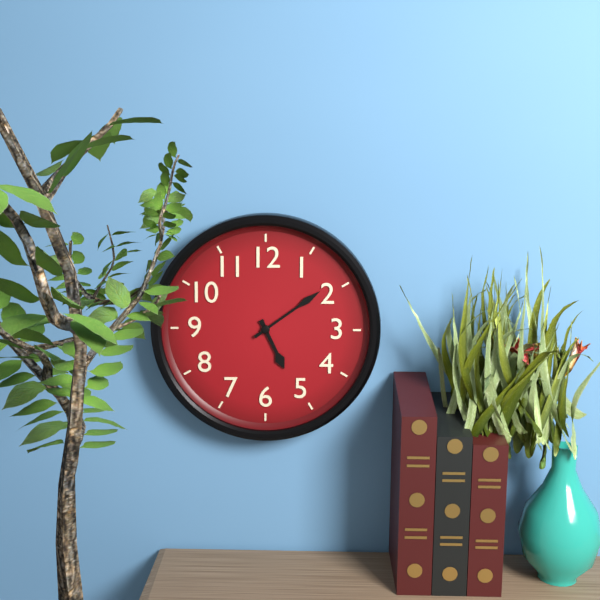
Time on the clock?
5:09
